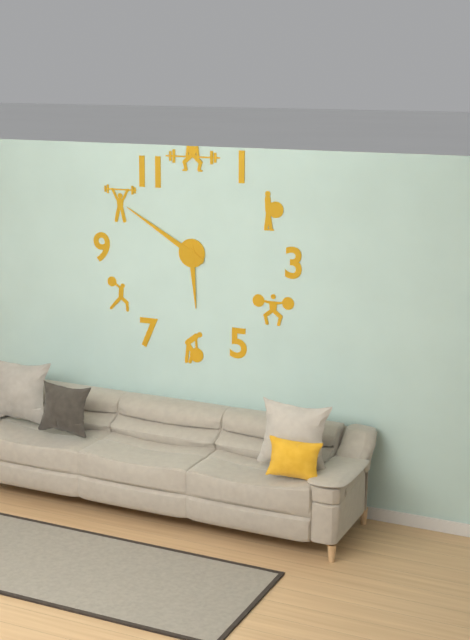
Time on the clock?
5:50
